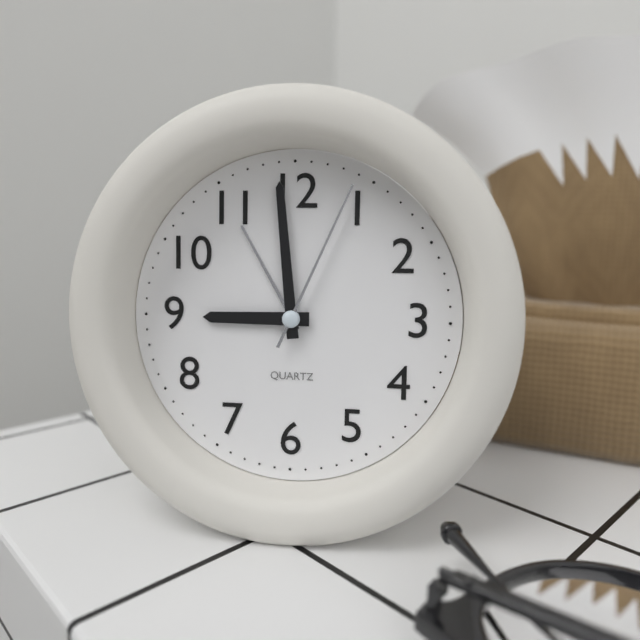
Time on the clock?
8:59:04
